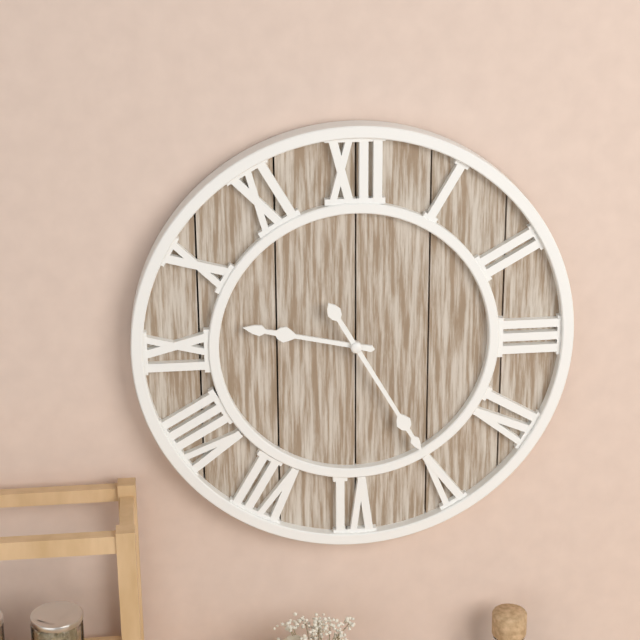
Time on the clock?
9:25
